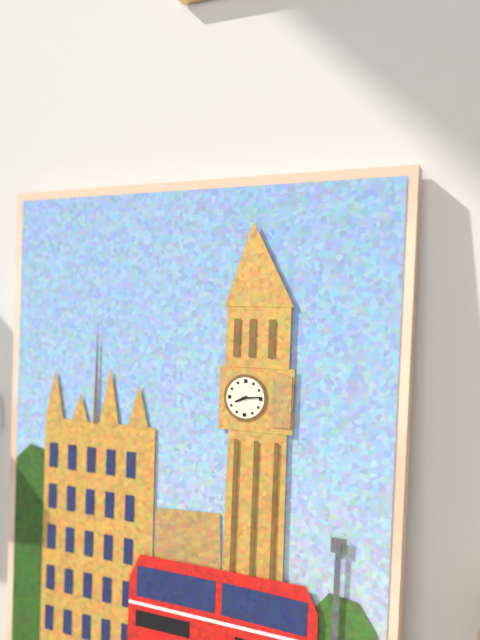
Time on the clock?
8:14
